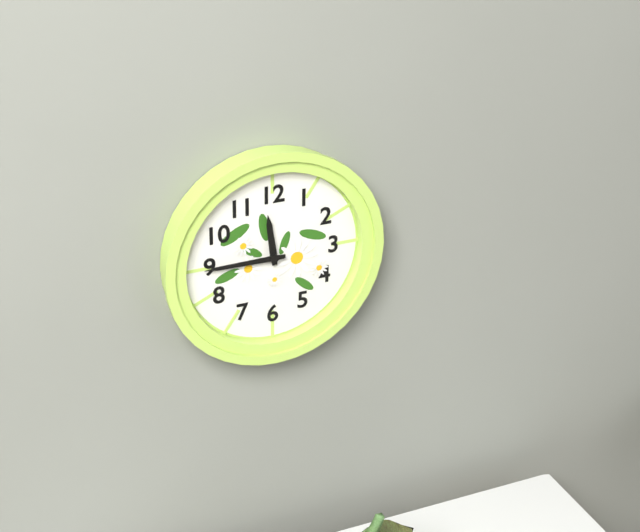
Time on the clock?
11:45
